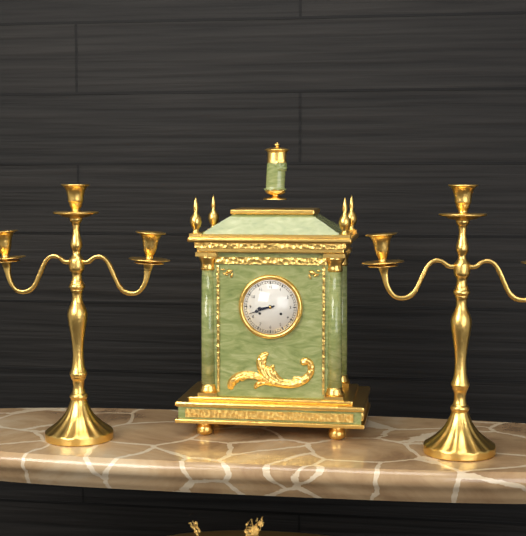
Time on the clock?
8:42
